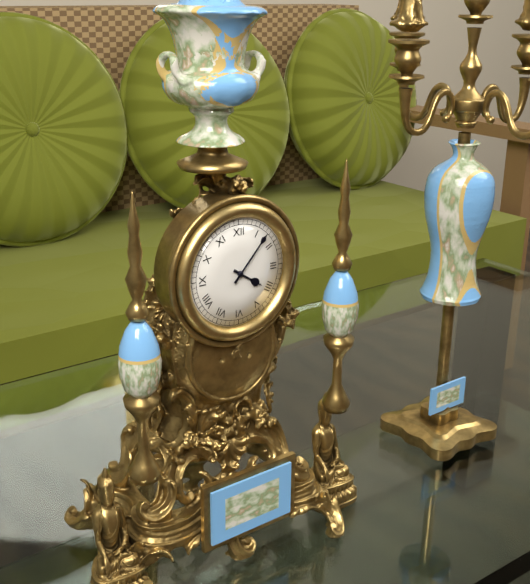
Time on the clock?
4:07
